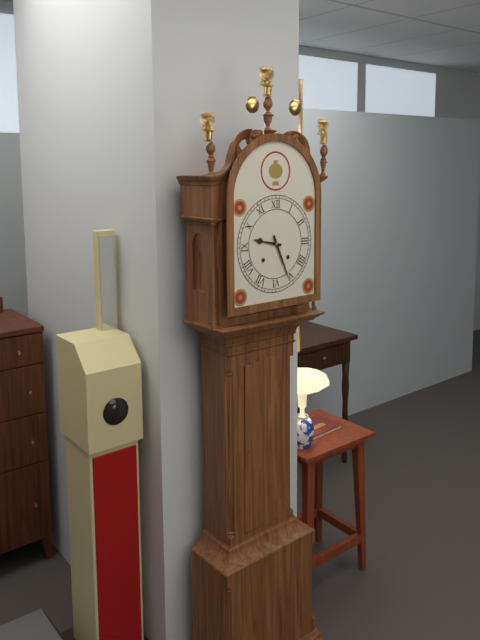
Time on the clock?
9:26
